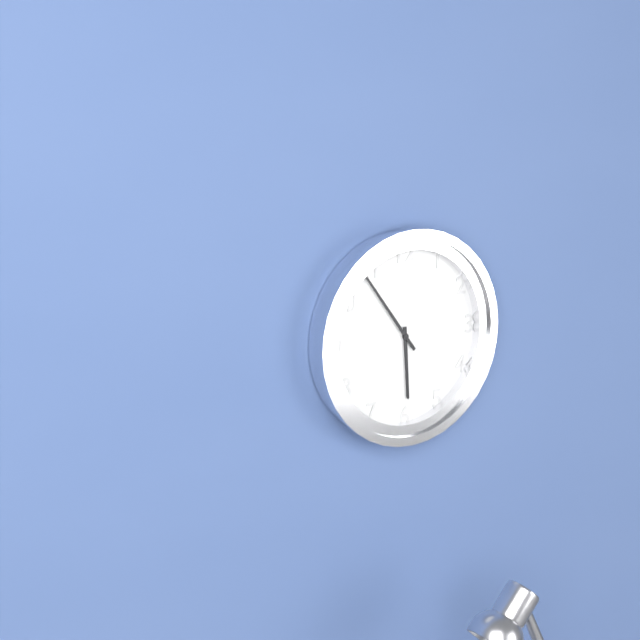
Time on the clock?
5:54
